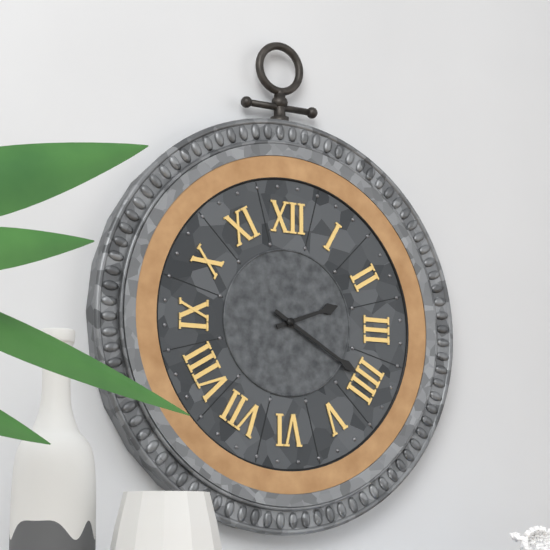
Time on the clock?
2:20
